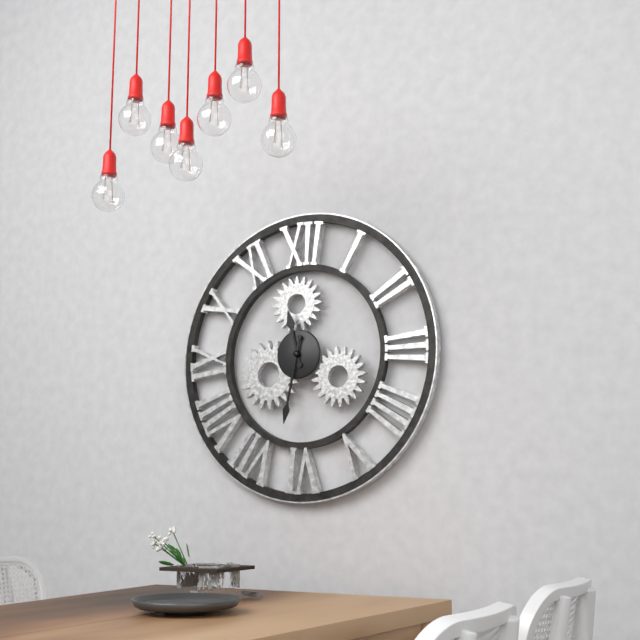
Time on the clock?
11:32
